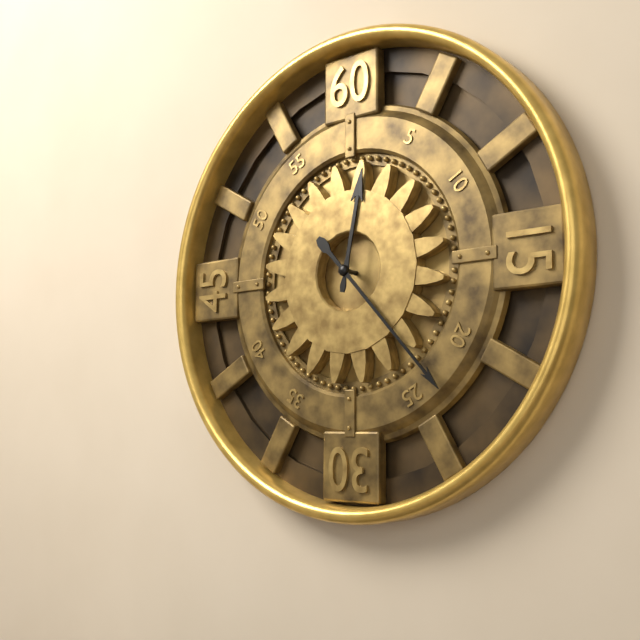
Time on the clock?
12:23
